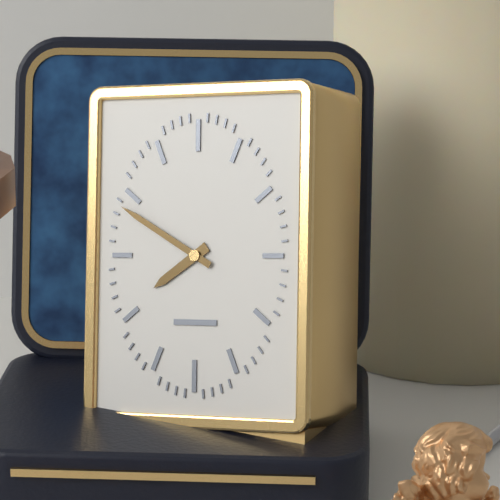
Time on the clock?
7:50
